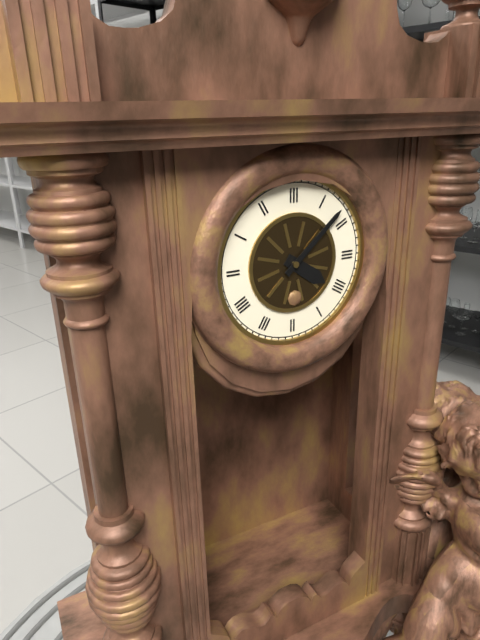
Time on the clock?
4:08
